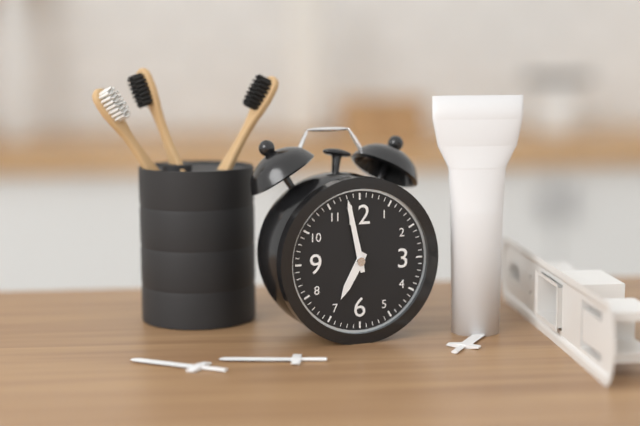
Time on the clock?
6:58
